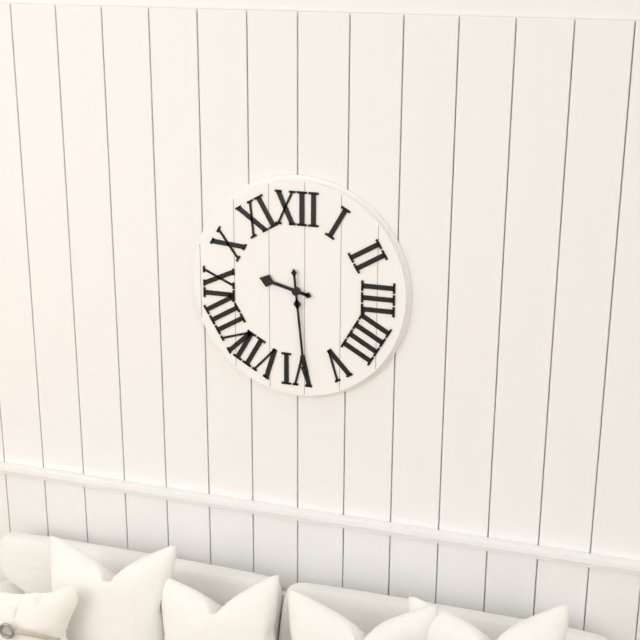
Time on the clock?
9:29
